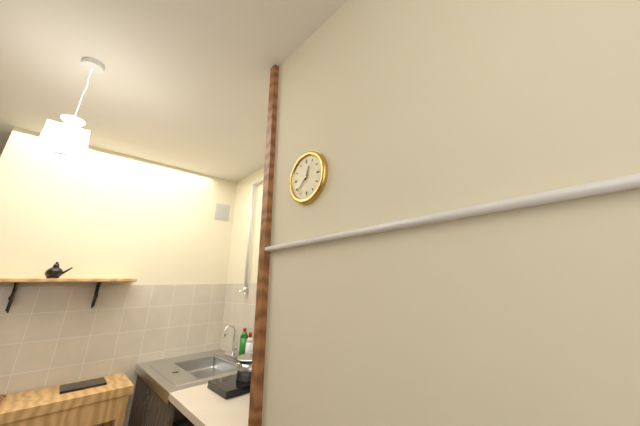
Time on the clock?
12:38
